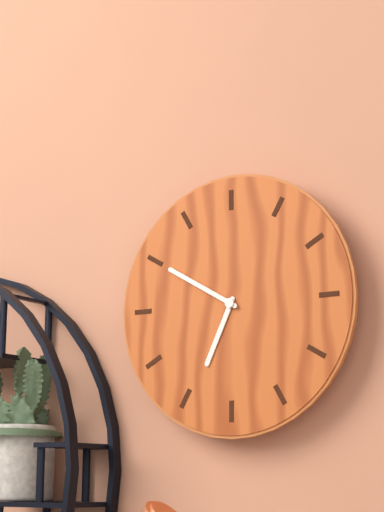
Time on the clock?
6:50
